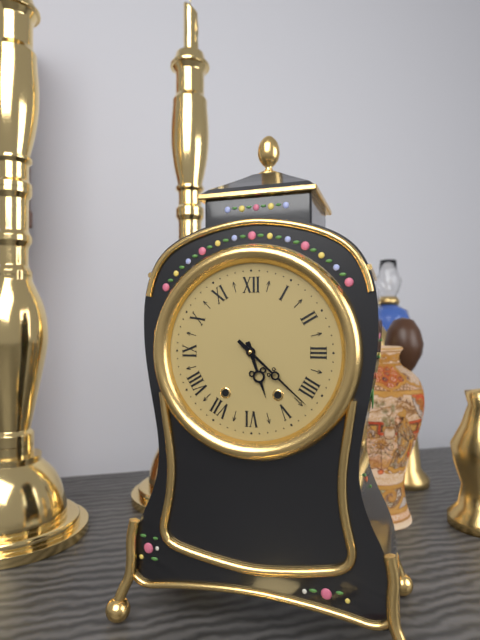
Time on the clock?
5:22
